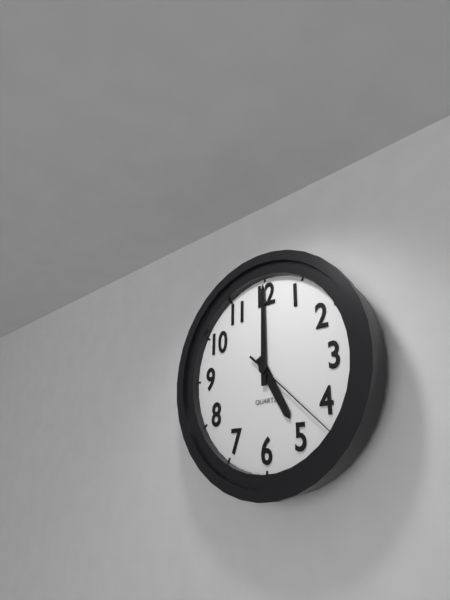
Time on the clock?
5:00:22
